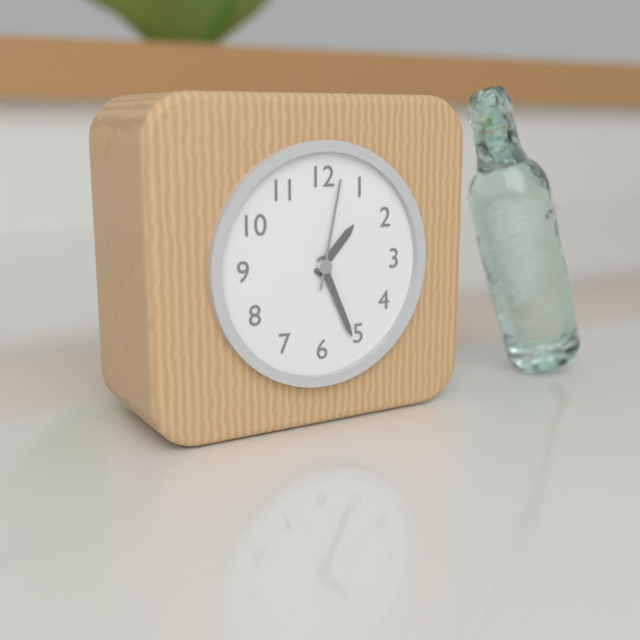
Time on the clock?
1:26:02
